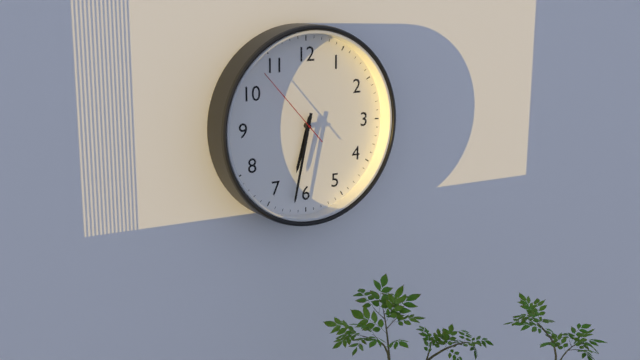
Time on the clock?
6:32:53
